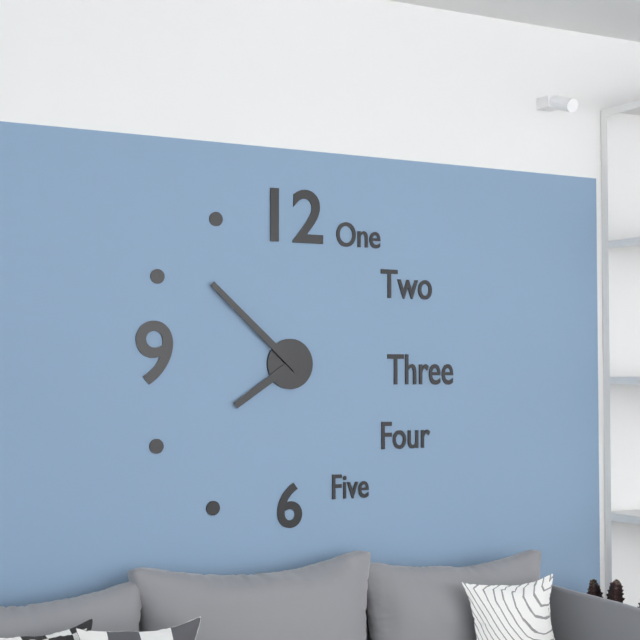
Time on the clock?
7:52
